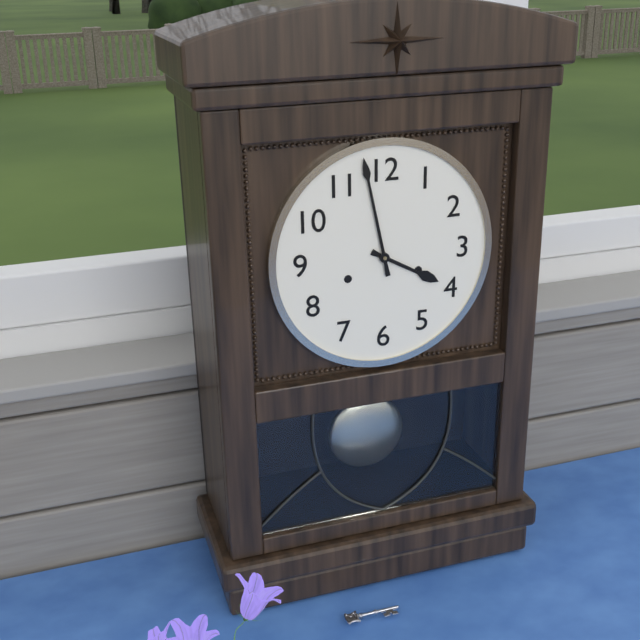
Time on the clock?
3:58
